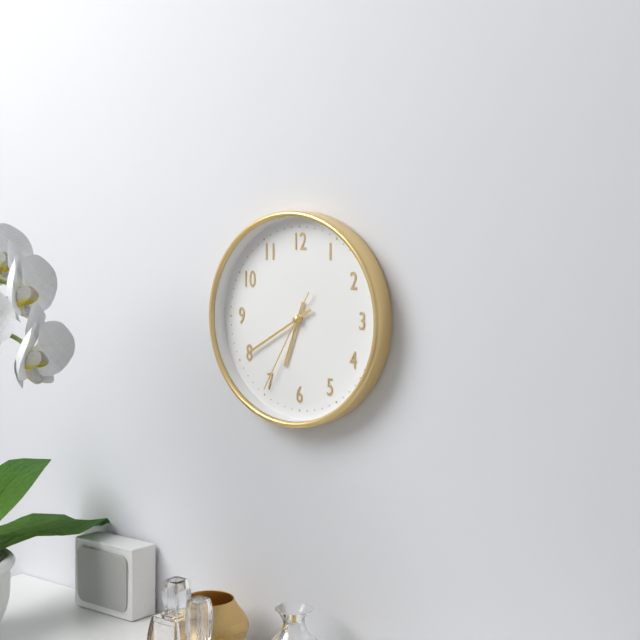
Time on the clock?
6:40:35
